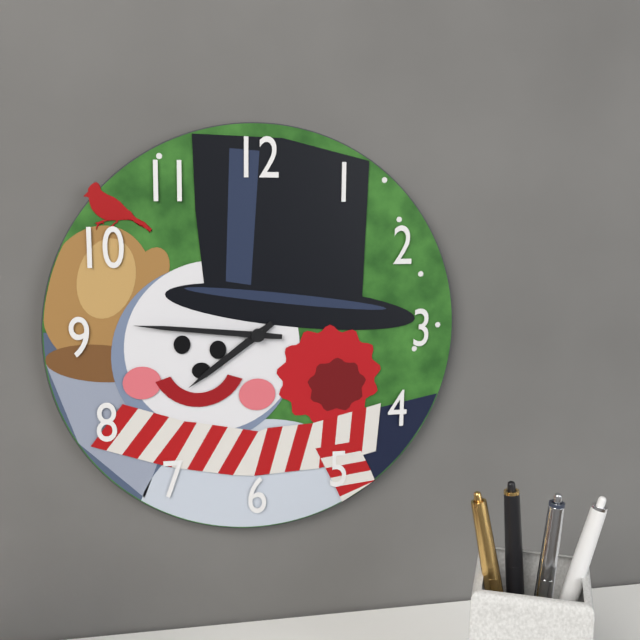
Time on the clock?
7:46
